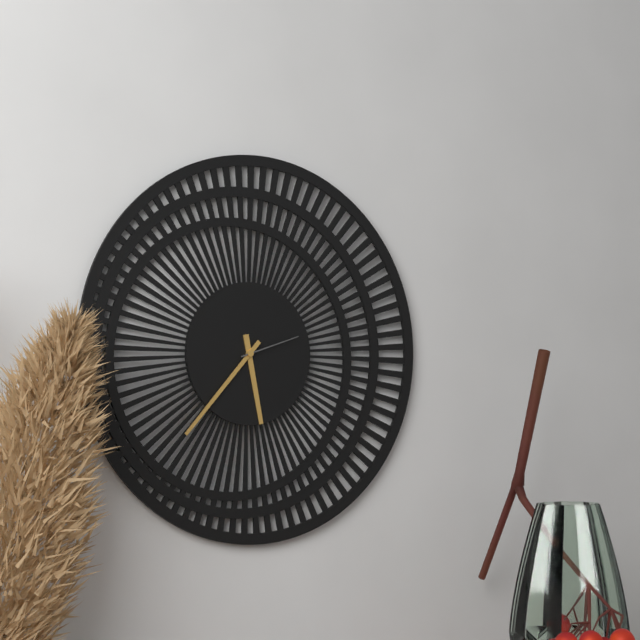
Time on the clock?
5:37:12
